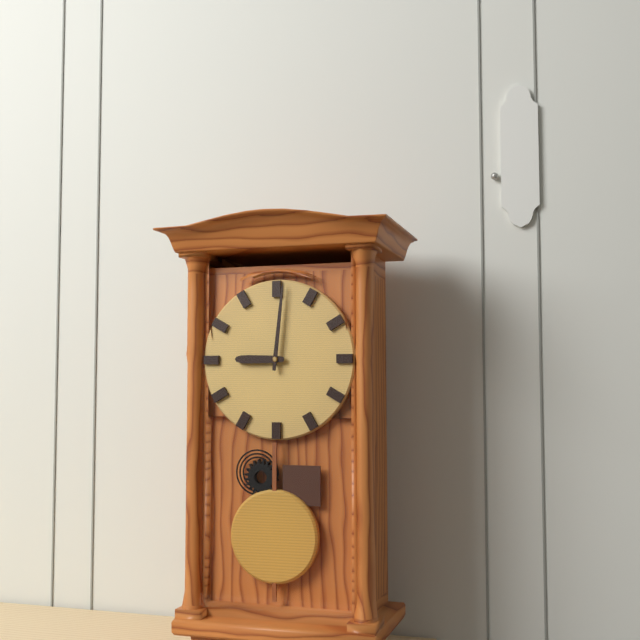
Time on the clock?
9:01
